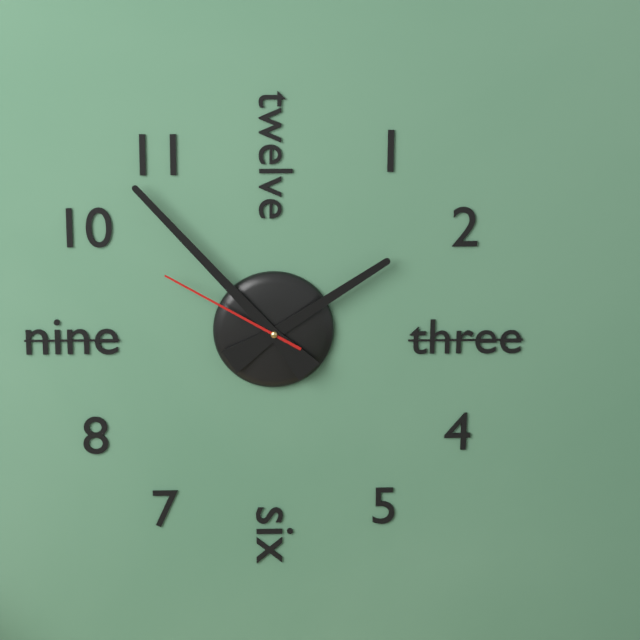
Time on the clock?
1:53:50
